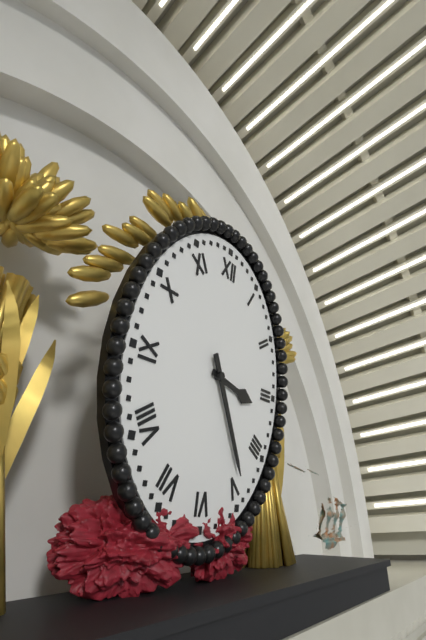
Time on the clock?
3:25
